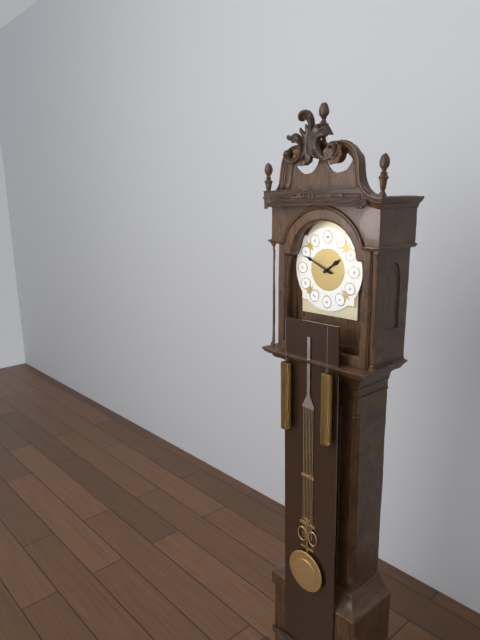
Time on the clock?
1:49
